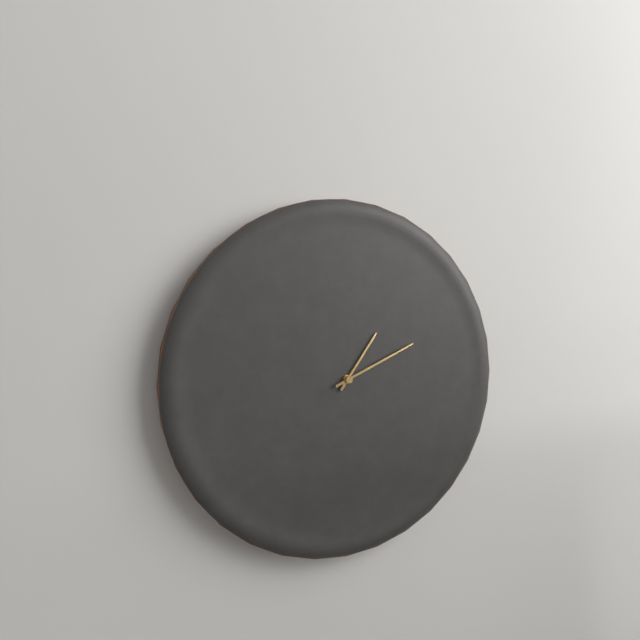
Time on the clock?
1:11
